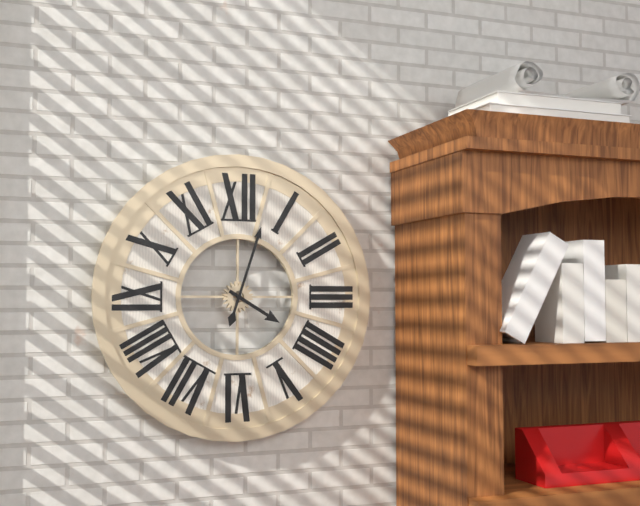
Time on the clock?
4:03
